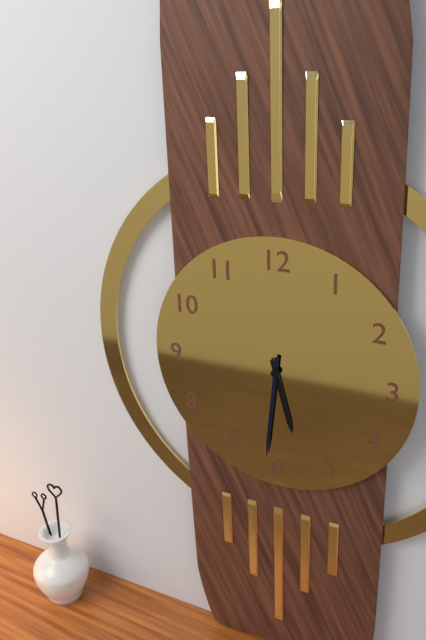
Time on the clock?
5:31
